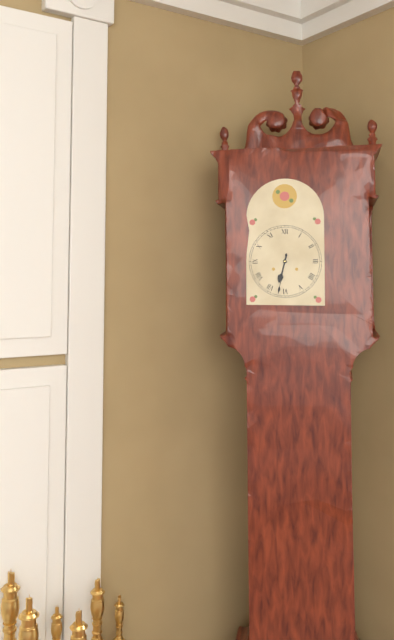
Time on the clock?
6:32
